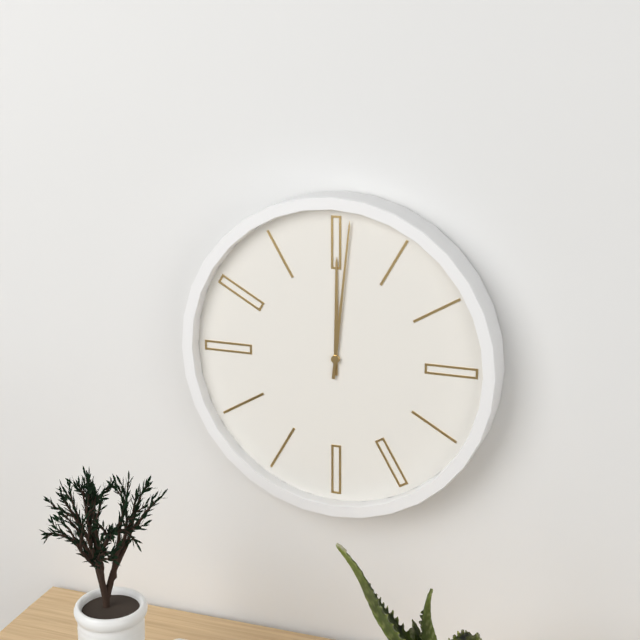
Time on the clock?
12:01
